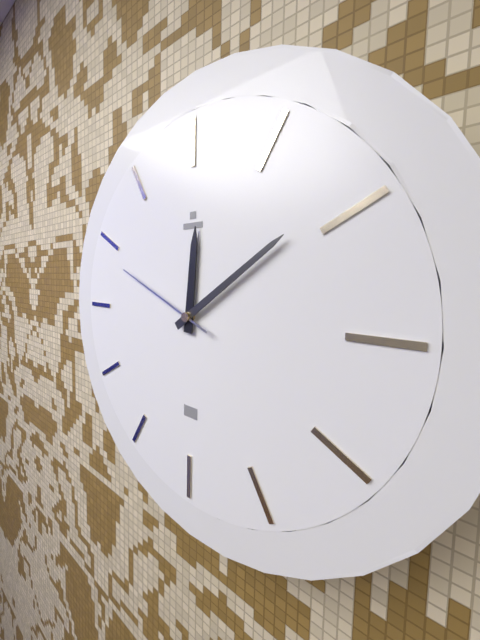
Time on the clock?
12:09:49
